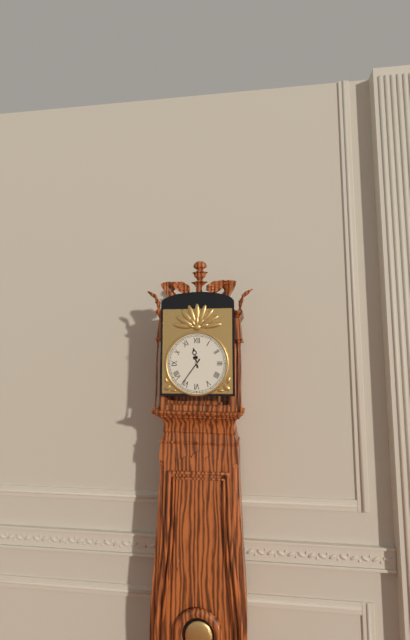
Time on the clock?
11:36
